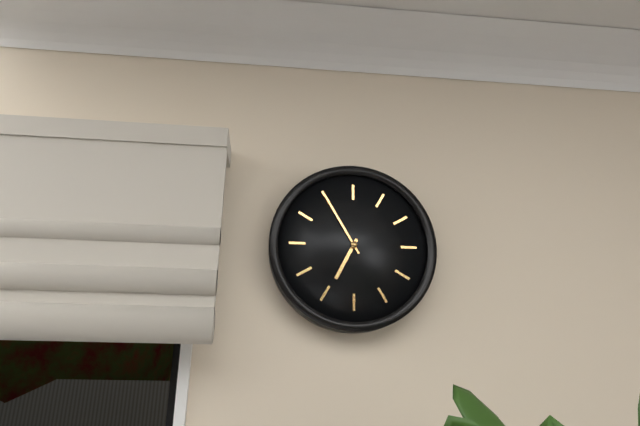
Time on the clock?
6:55
